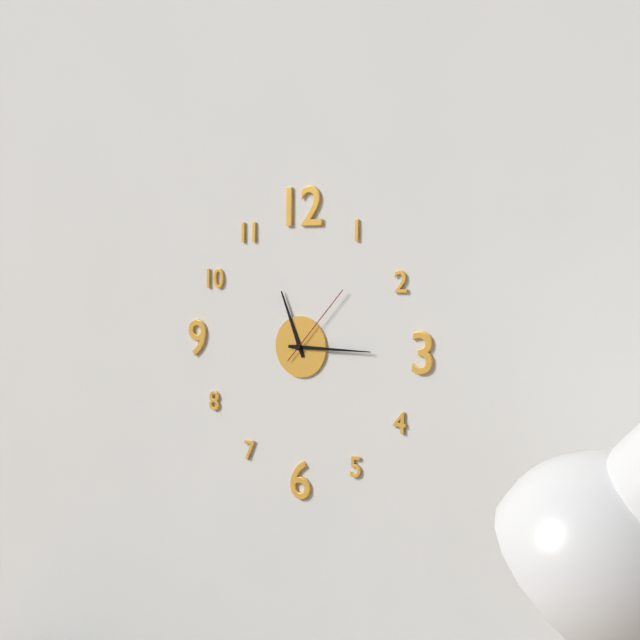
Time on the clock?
11:15:07
